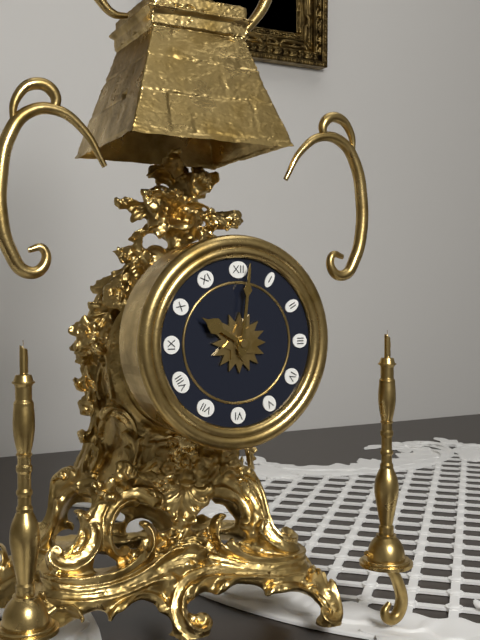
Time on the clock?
10:01
